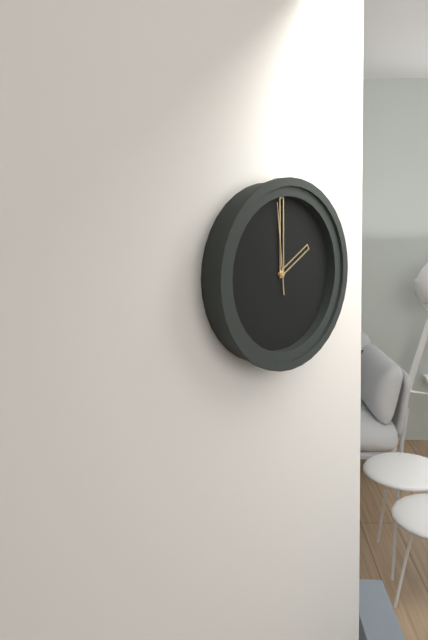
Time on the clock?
2:00:59
